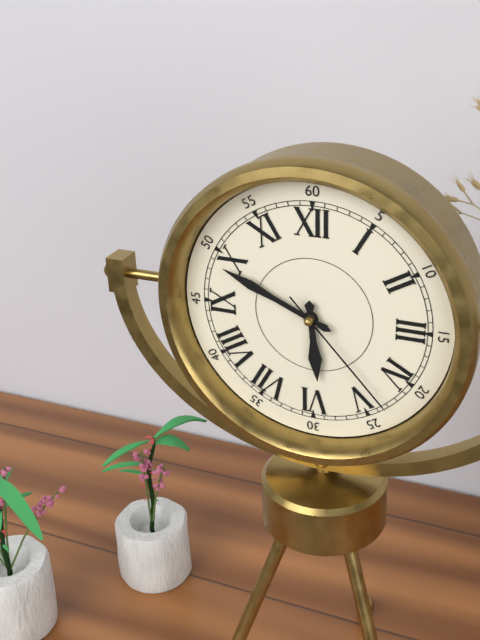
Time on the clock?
5:49:23
